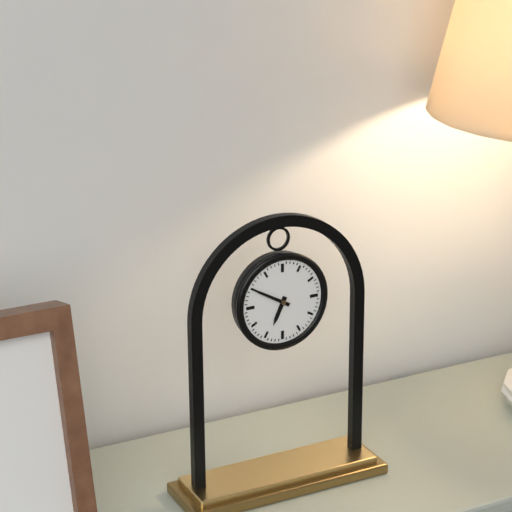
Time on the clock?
6:50
